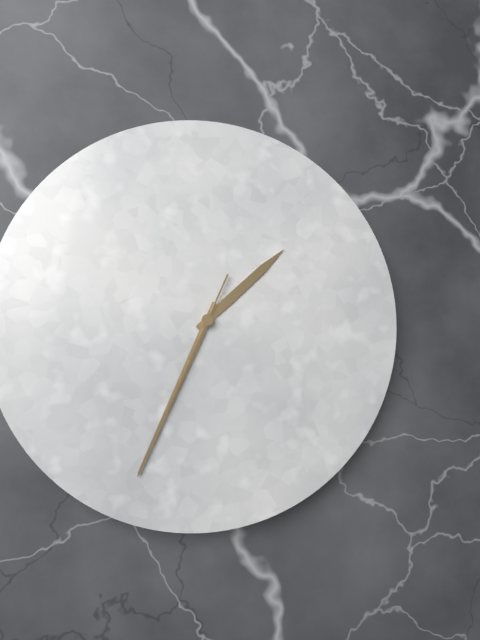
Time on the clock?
1:34:34
